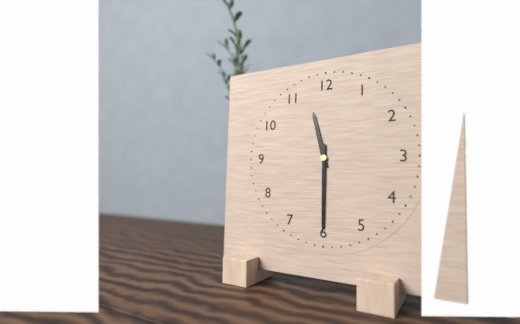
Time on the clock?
11:30
